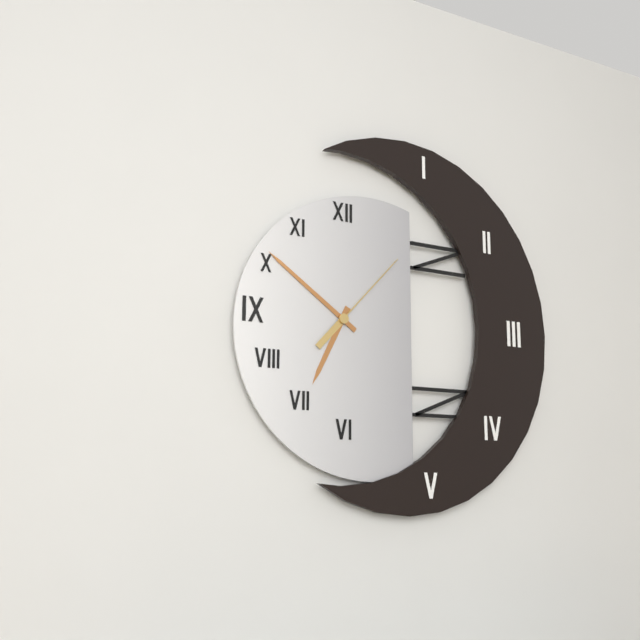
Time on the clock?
6:51:07
